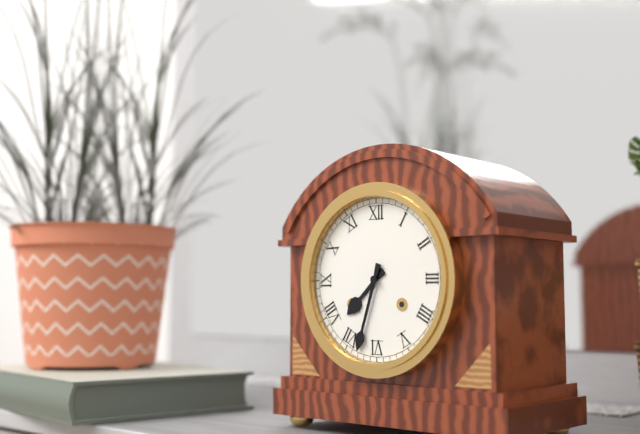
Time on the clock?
7:33
